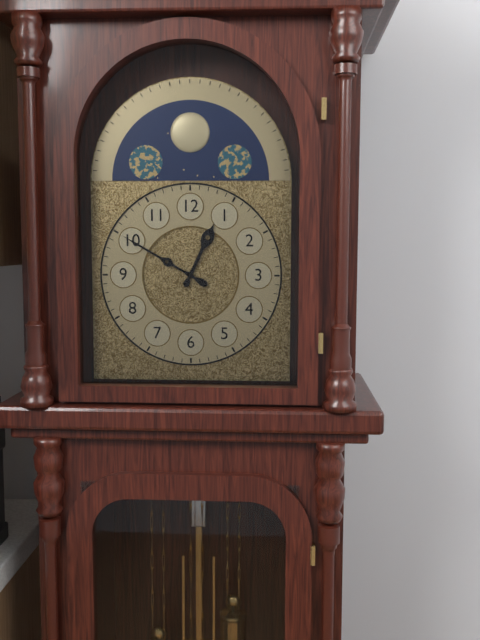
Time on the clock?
12:50
